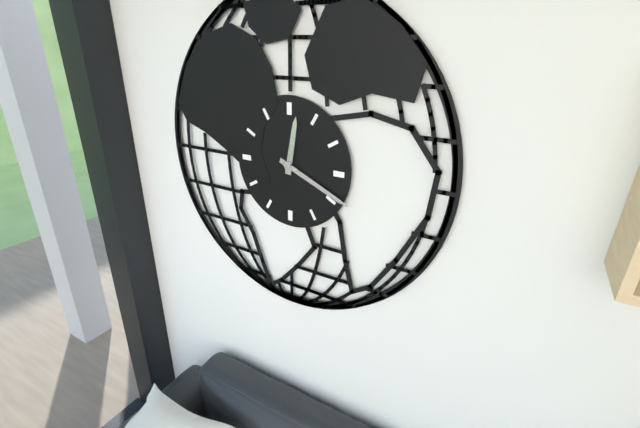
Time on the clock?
12:19
